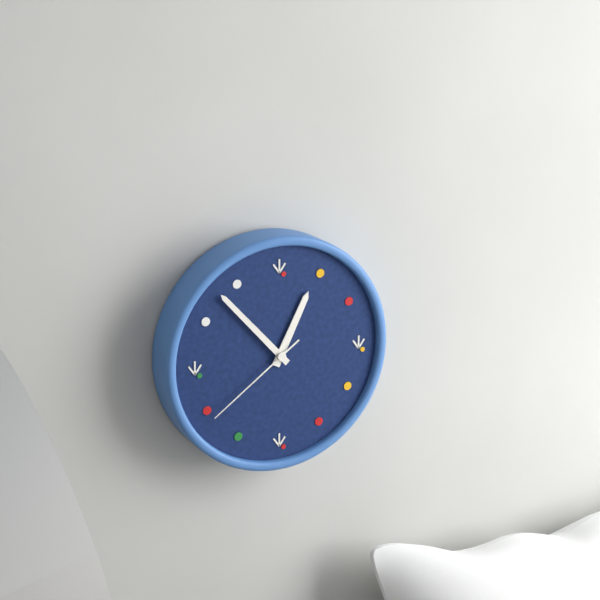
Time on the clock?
12:53:39
